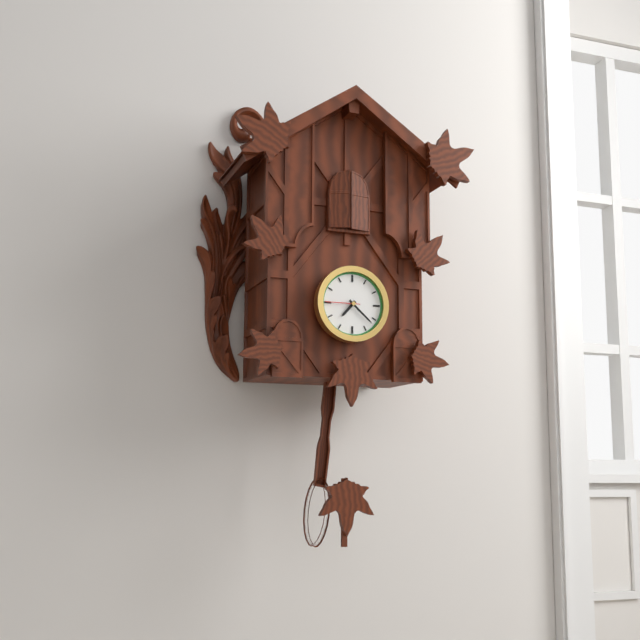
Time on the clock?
7:22
